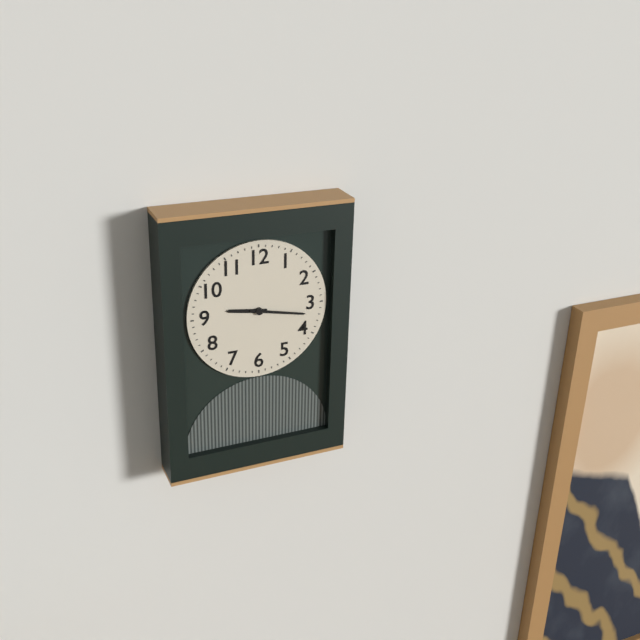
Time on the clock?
9:17
